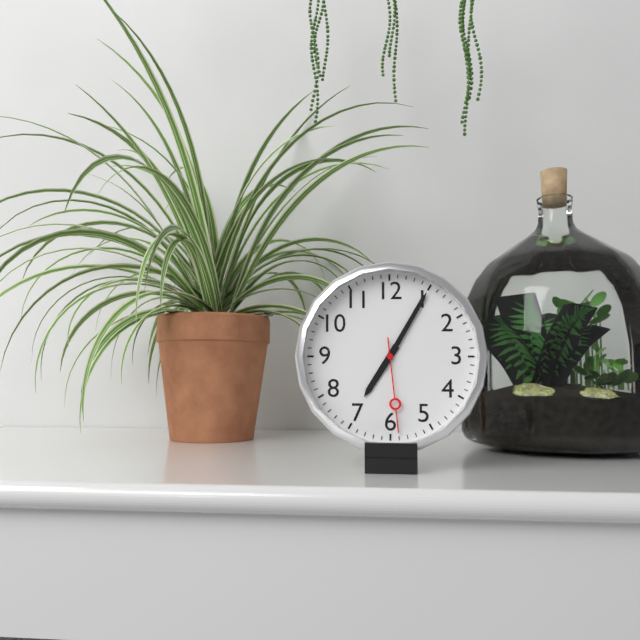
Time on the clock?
7:05:29
